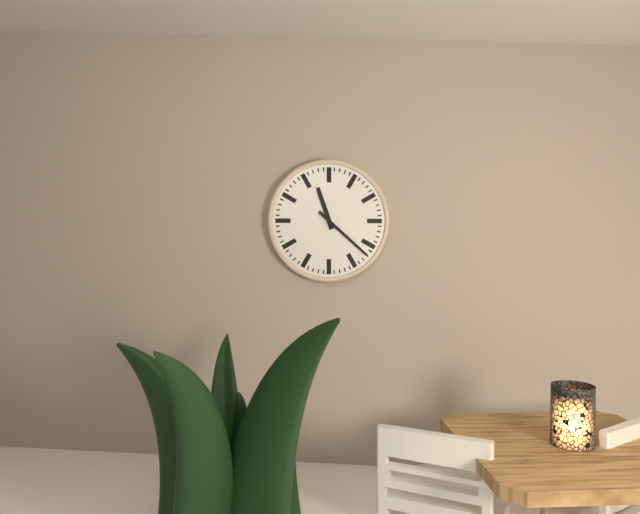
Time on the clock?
11:22
